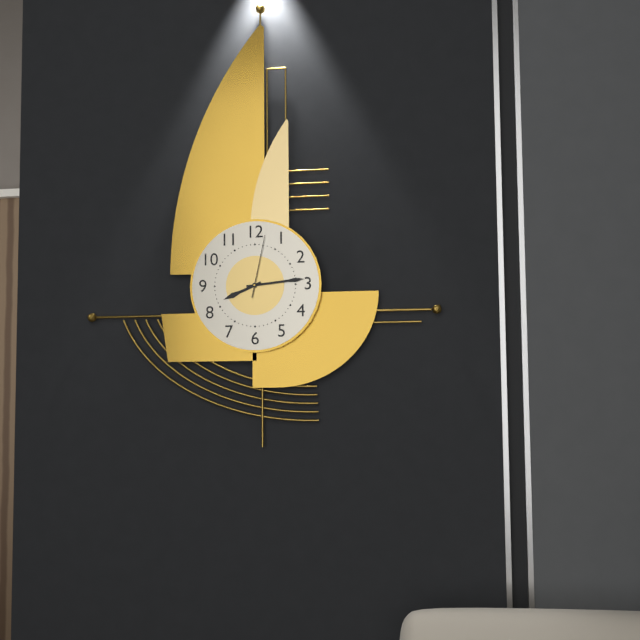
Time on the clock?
8:14:02
